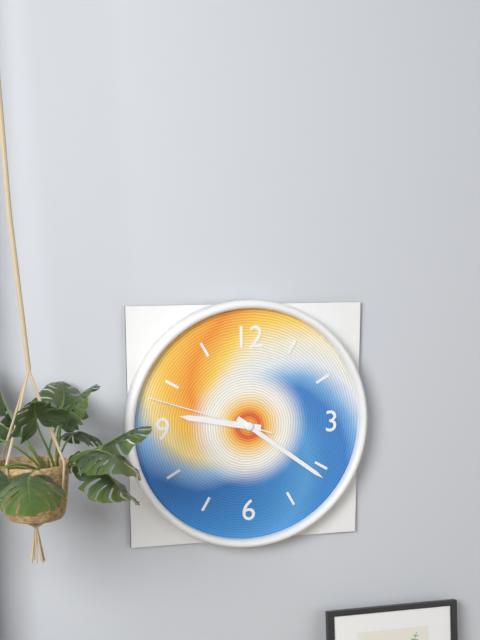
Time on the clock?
9:21:48
